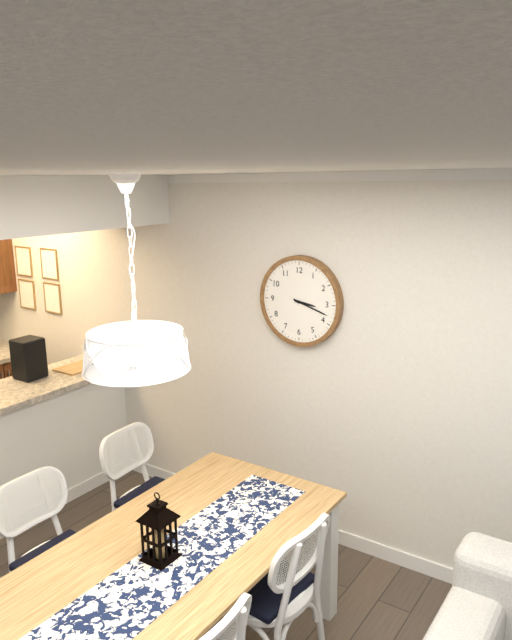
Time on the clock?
3:18
